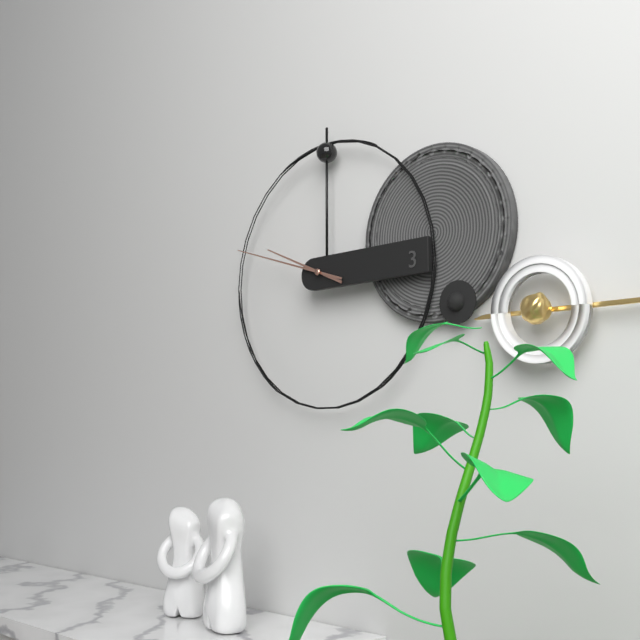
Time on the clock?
9:48
